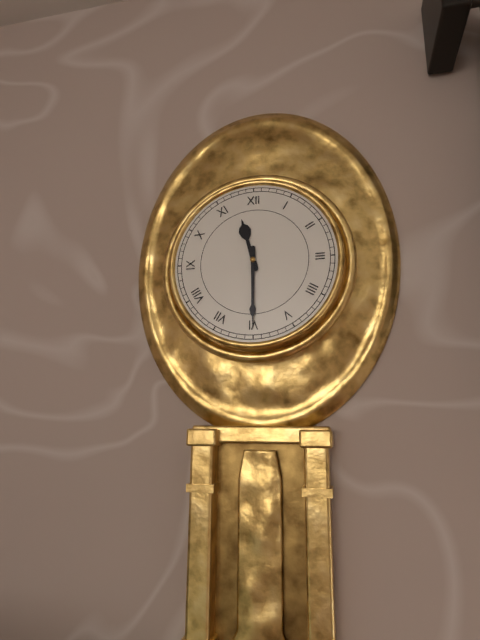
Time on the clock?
11:30
